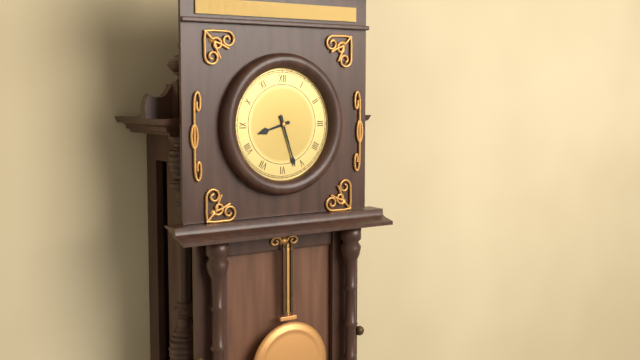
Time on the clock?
8:27
